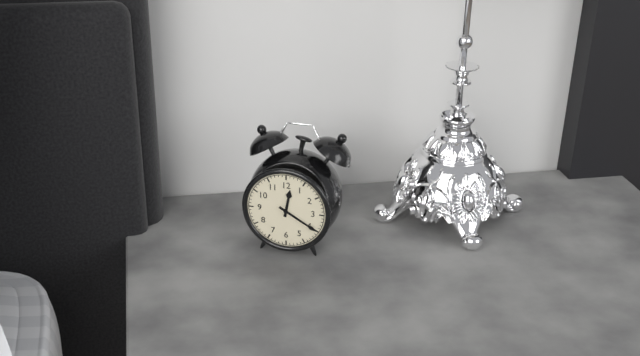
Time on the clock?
12:20
